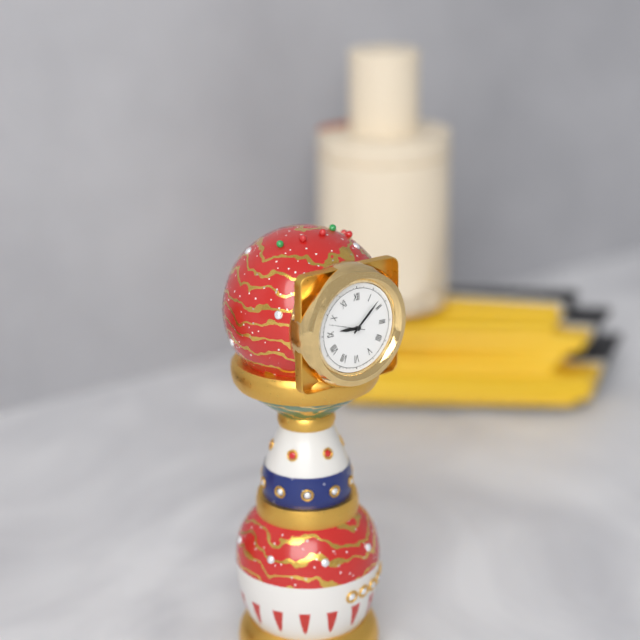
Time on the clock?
9:08
